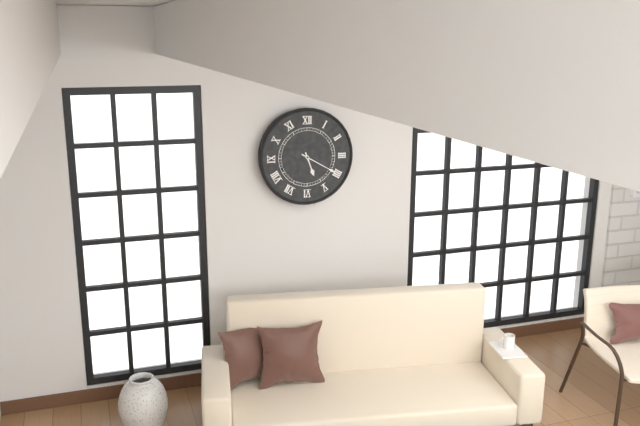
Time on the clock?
5:20
